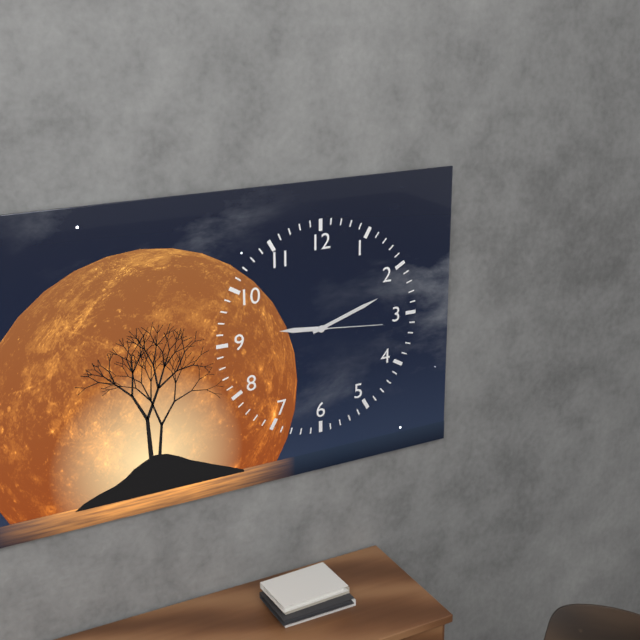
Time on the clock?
9:12:16
